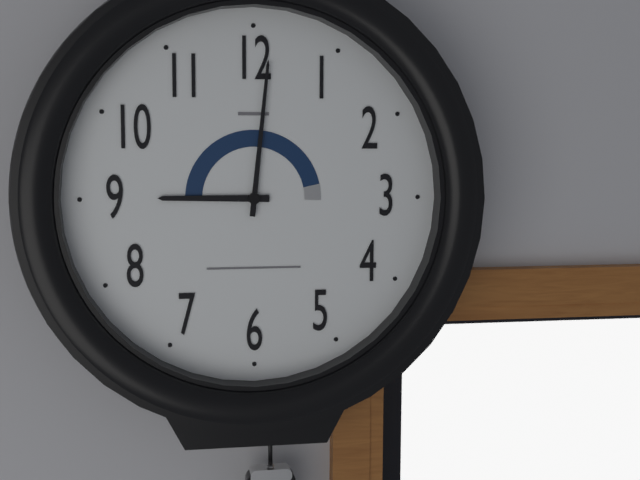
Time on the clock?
9:01
